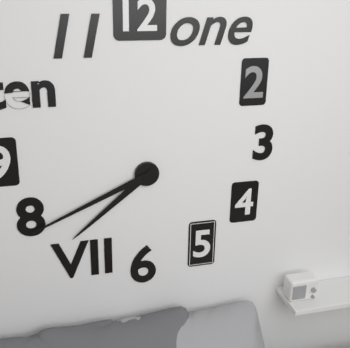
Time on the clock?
7:41
